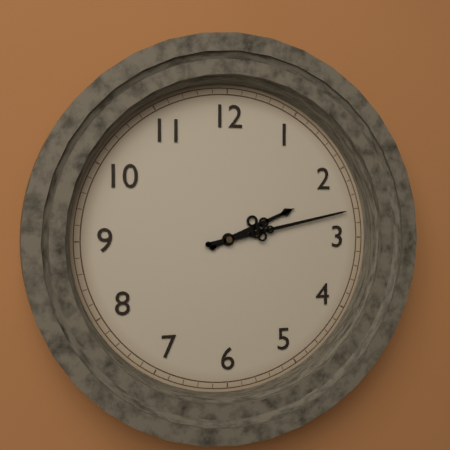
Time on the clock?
2:13
